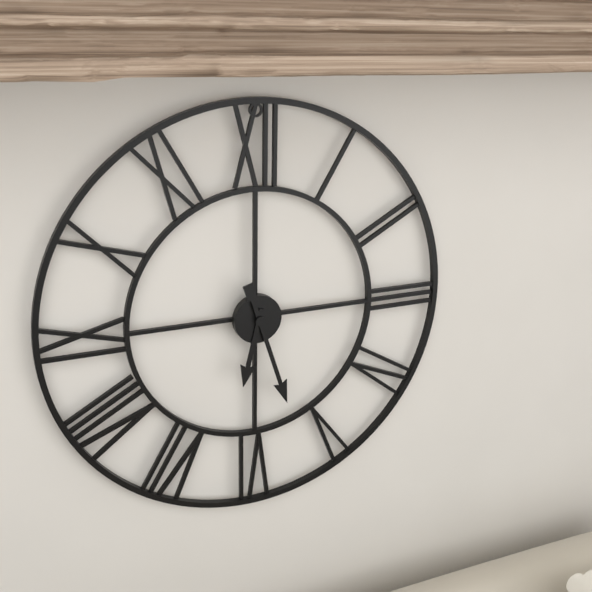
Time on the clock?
6:27
